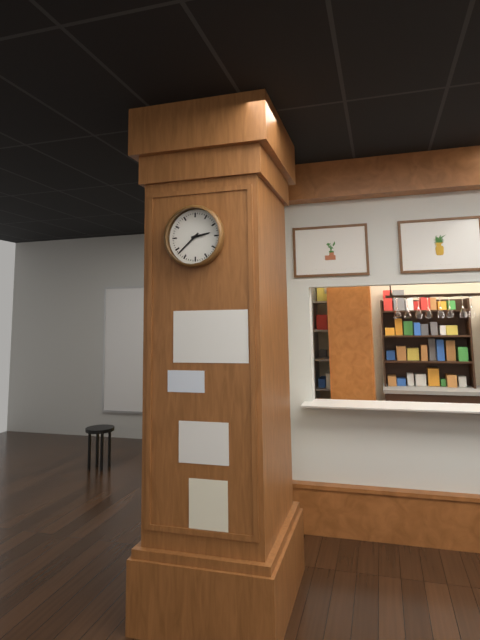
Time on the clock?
2:38
